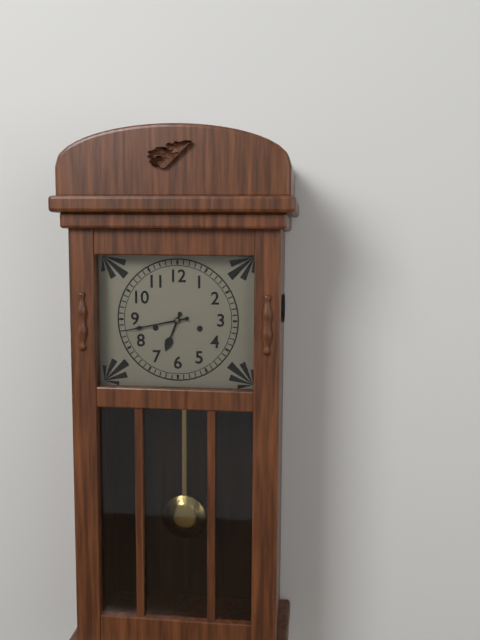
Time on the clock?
6:43
